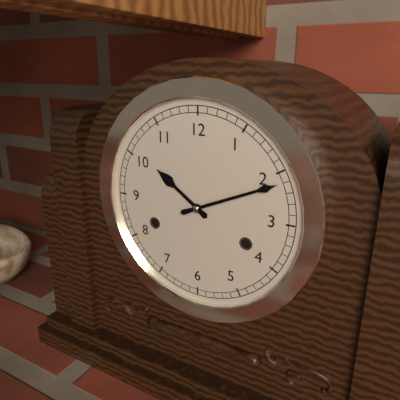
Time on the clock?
10:11
